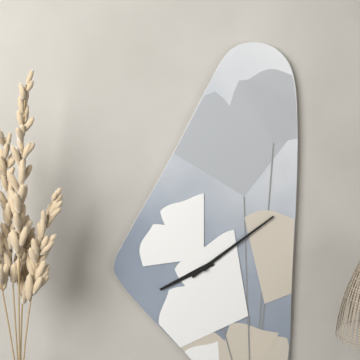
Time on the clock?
8:09
